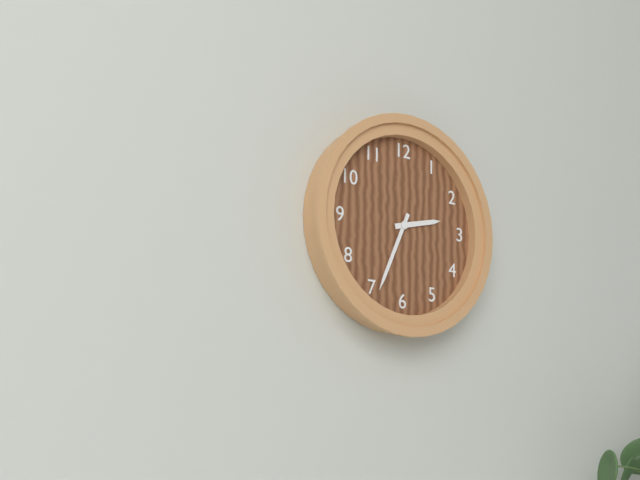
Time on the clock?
2:34
